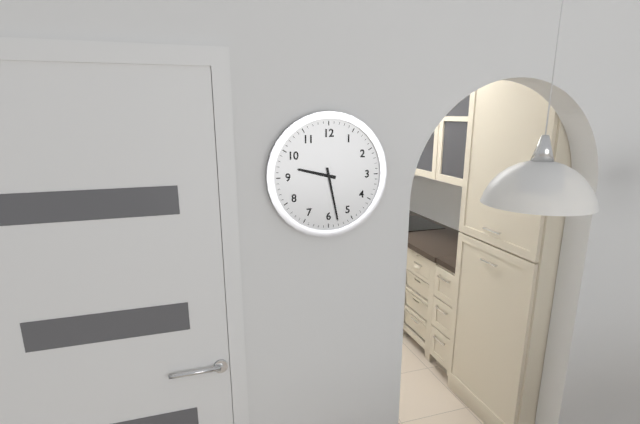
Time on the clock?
9:28
